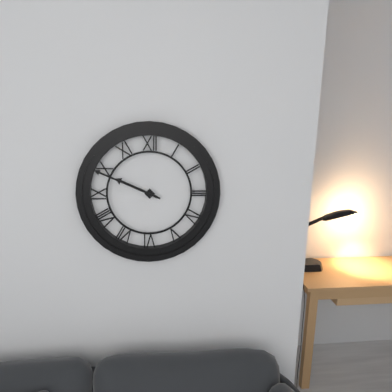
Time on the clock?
9:49
